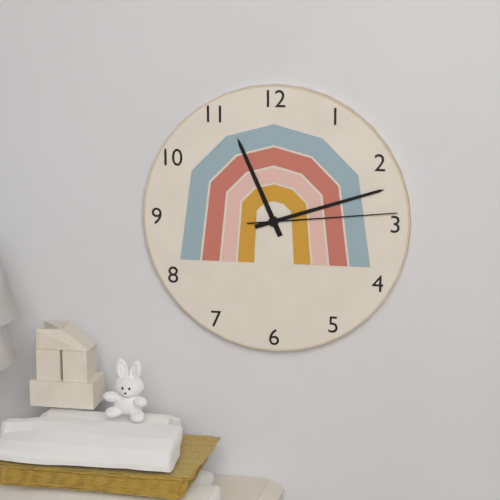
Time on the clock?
11:12:14
